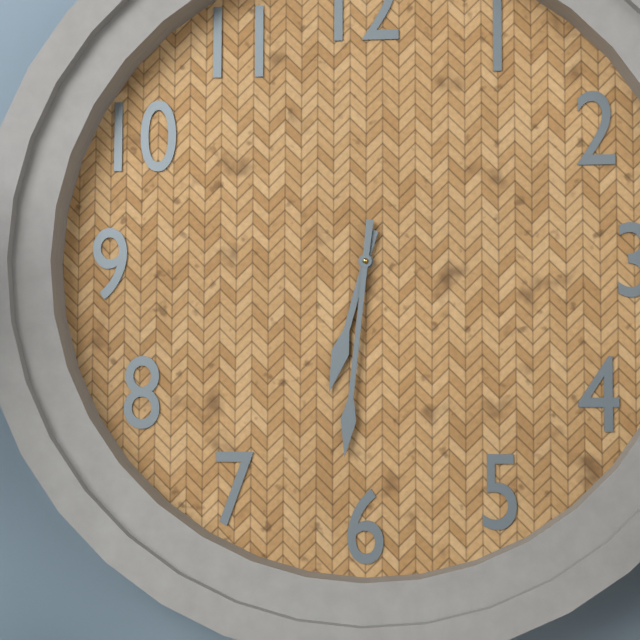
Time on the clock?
6:31
